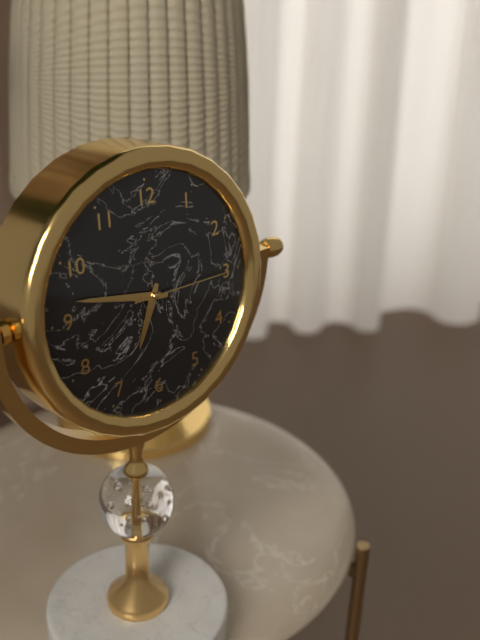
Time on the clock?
6:47:15
